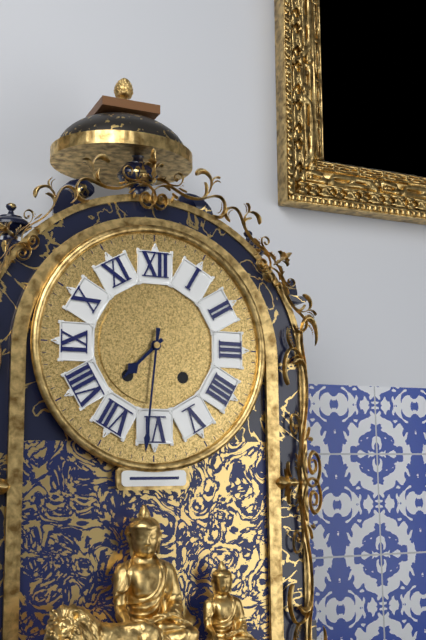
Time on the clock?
7:31
